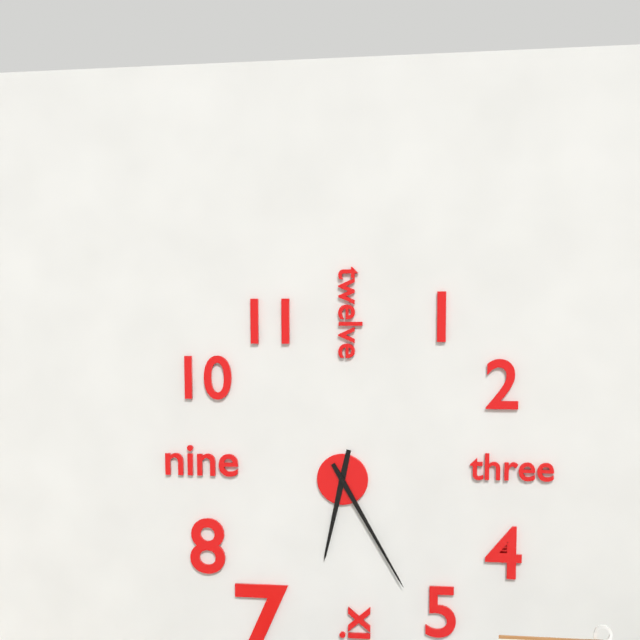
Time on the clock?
6:25
